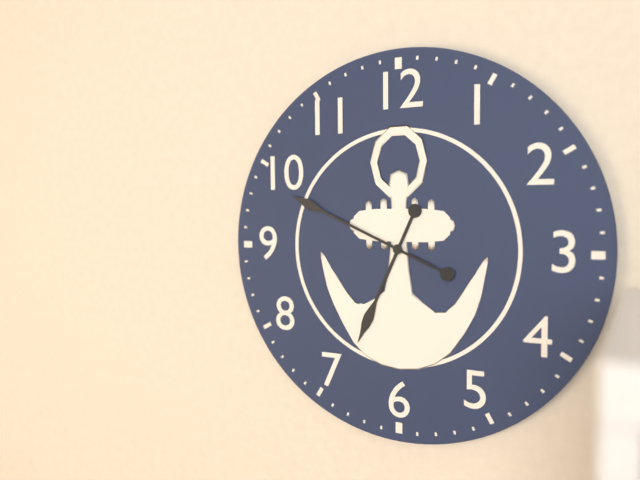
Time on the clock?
6:49
